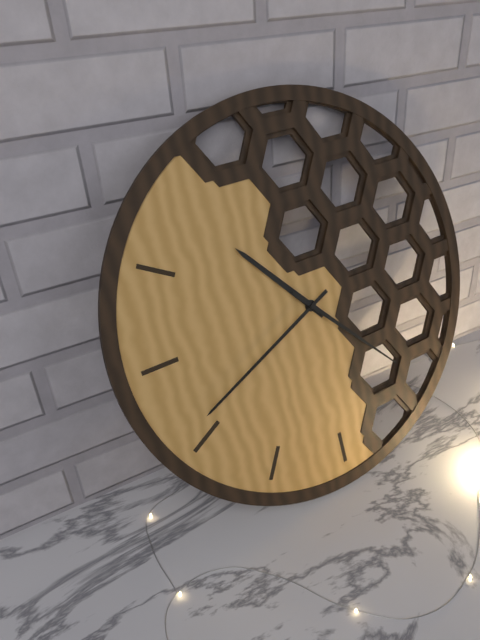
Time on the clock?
10:41:23
